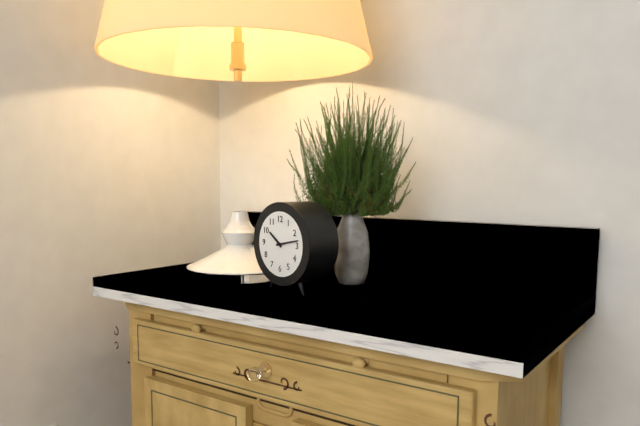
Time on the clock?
10:13
